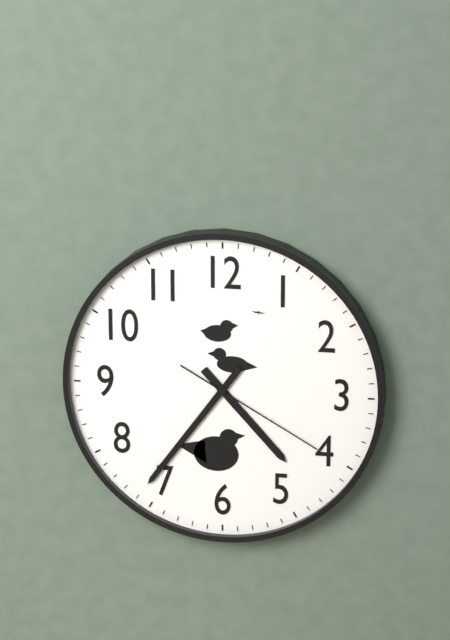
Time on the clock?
4:36:20
